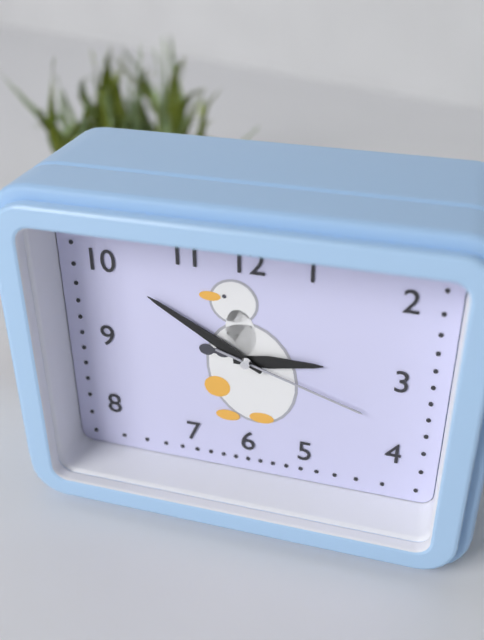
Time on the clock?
2:50:18
